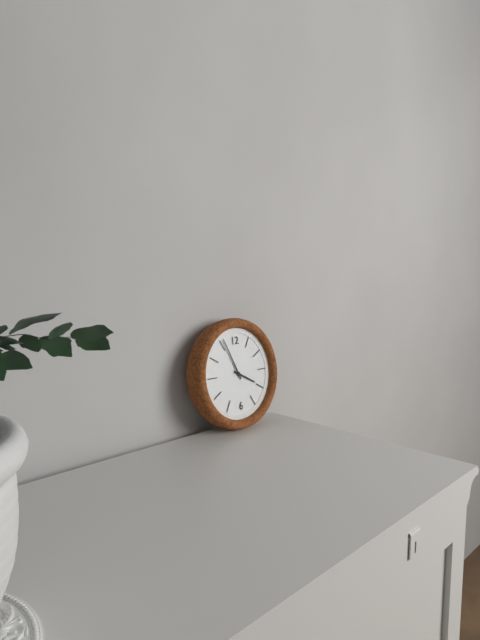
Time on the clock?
3:56
